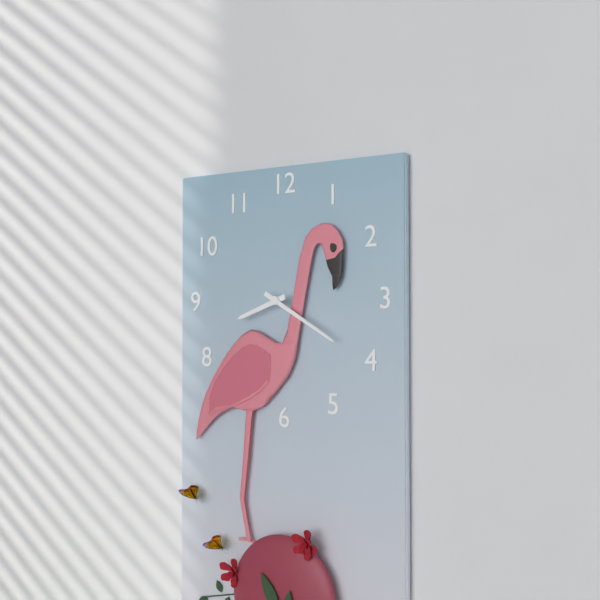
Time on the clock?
8:20
